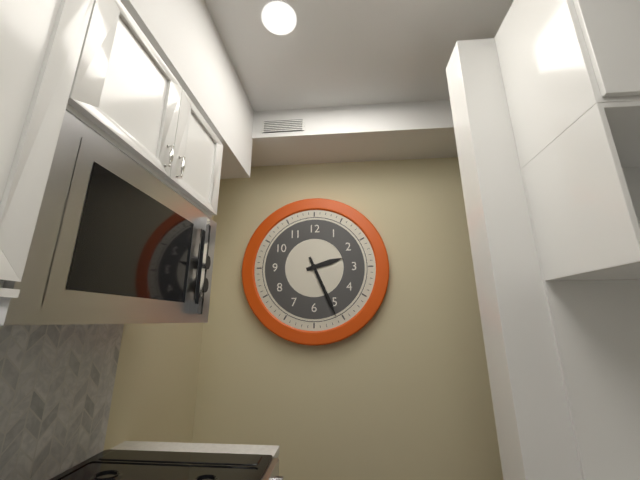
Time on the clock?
2:26
